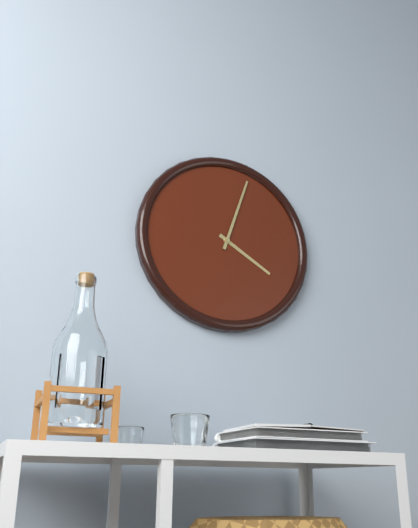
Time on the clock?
4:03
